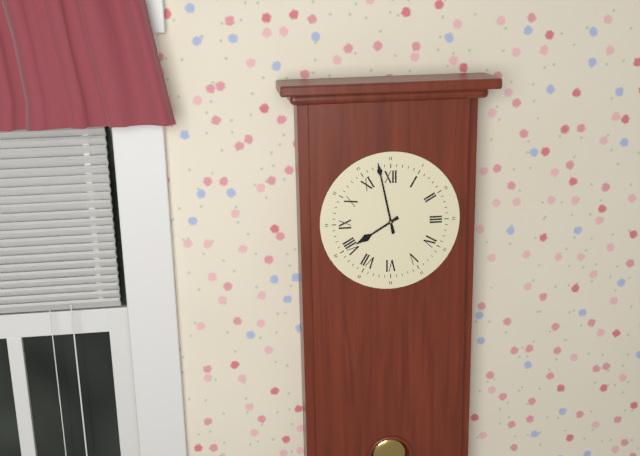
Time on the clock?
7:58
